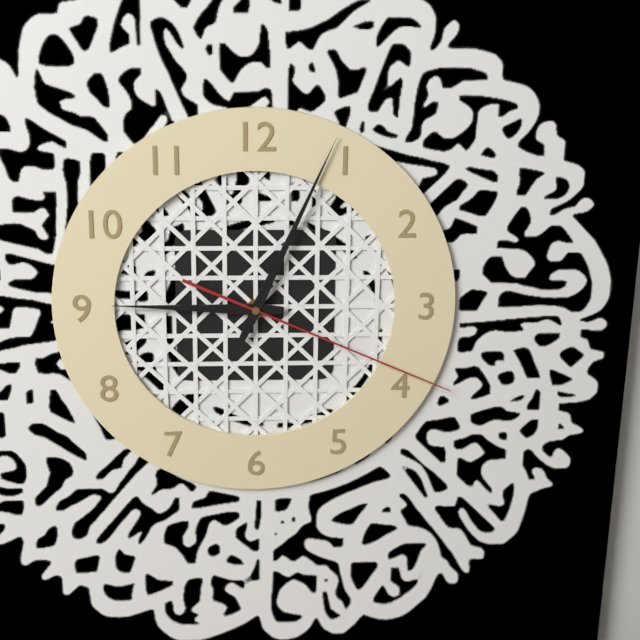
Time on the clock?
9:04:19
